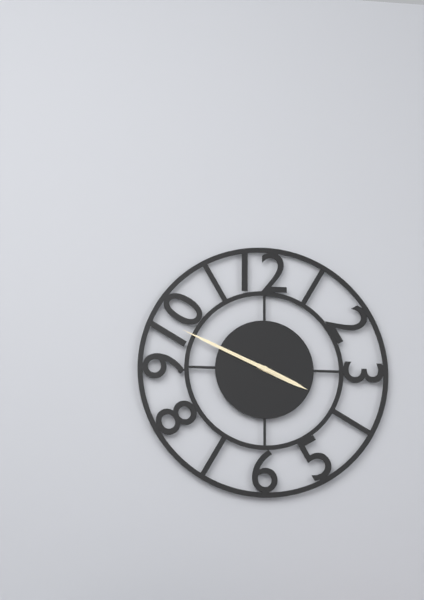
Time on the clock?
3:49
